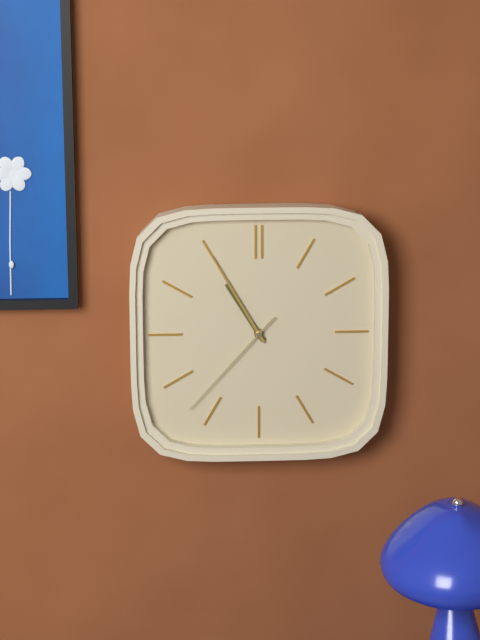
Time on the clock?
10:55:37
